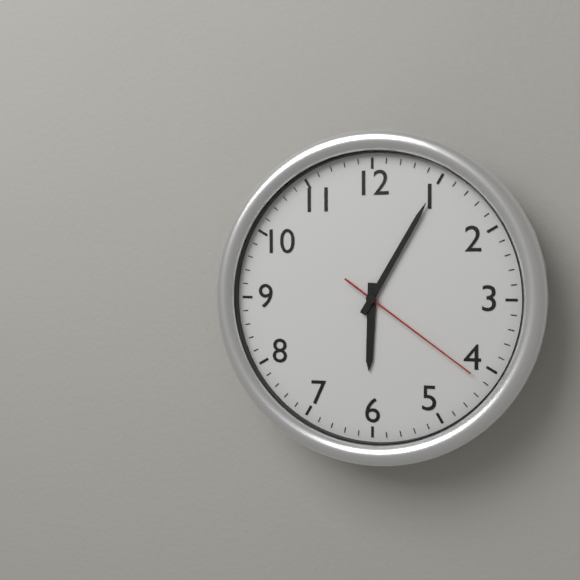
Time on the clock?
6:05:21
